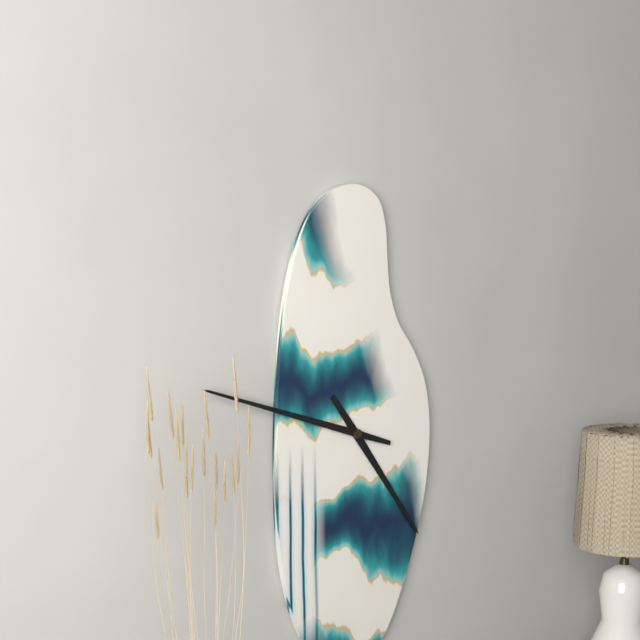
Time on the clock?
4:48
